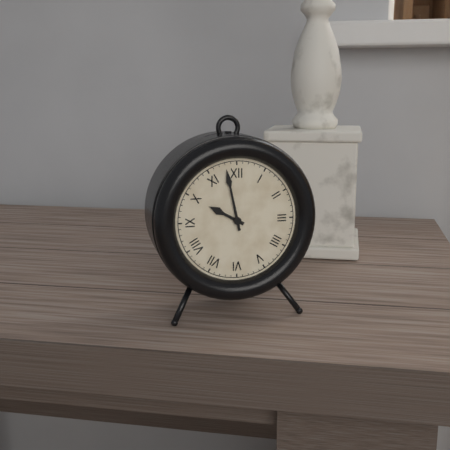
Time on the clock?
9:58
